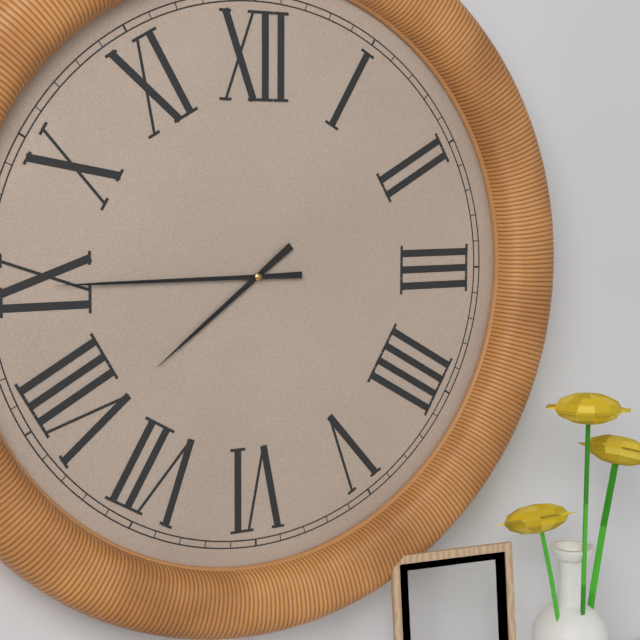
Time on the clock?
7:45
